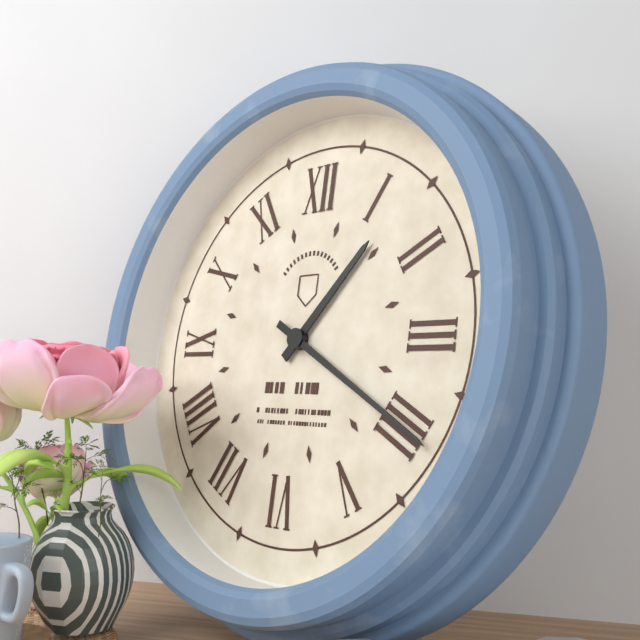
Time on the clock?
1:20
